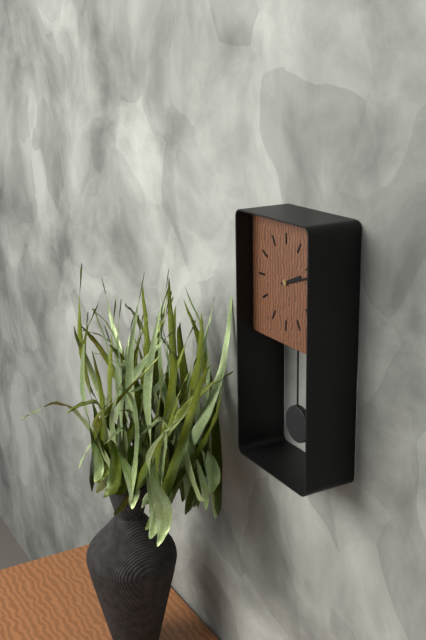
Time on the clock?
2:12
